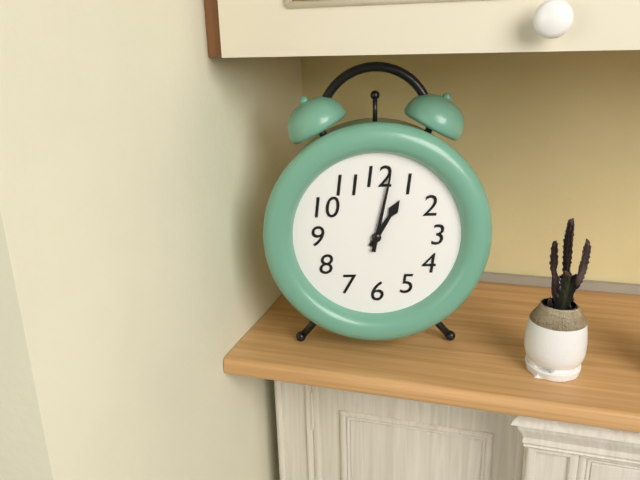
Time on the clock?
1:02
